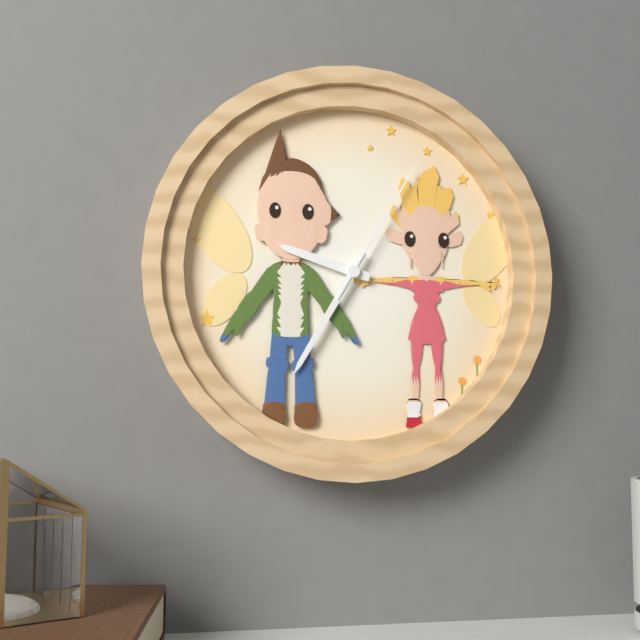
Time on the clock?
9:35:05
